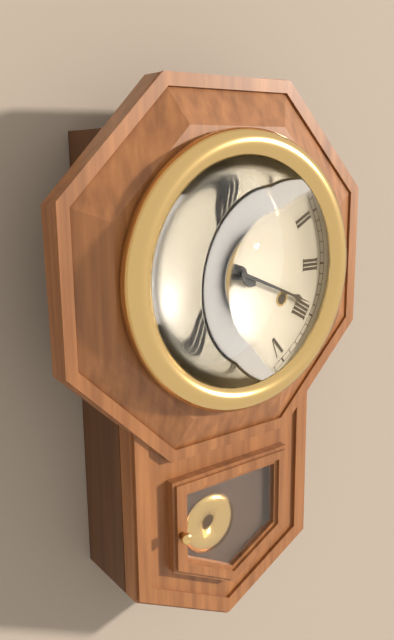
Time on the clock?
10:19
